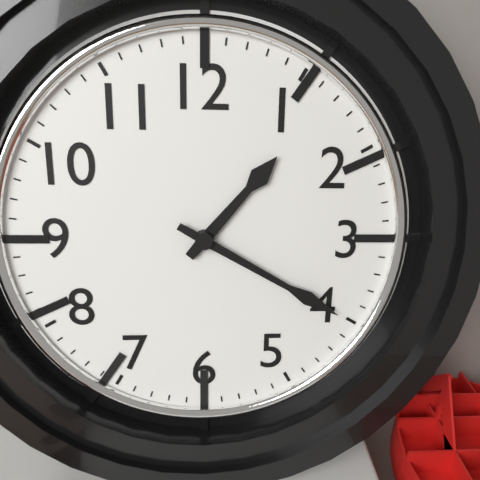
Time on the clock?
1:20
